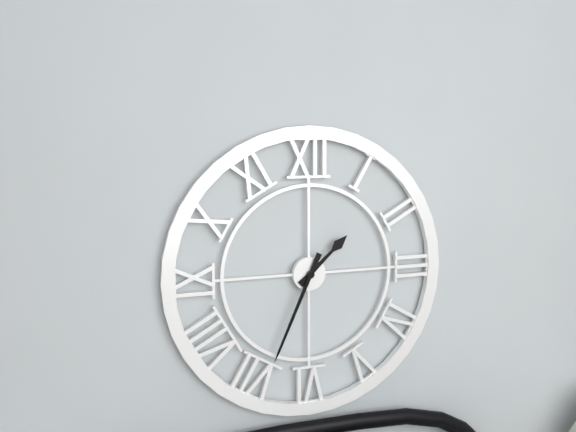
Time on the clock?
1:34
